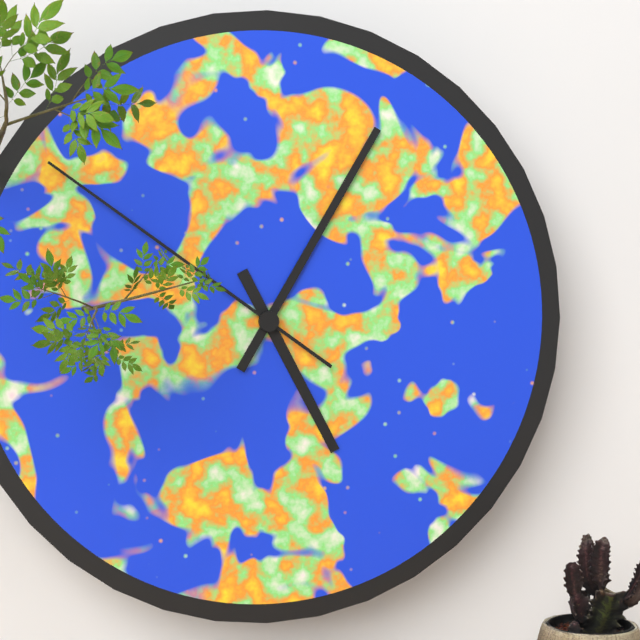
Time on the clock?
5:05:51
